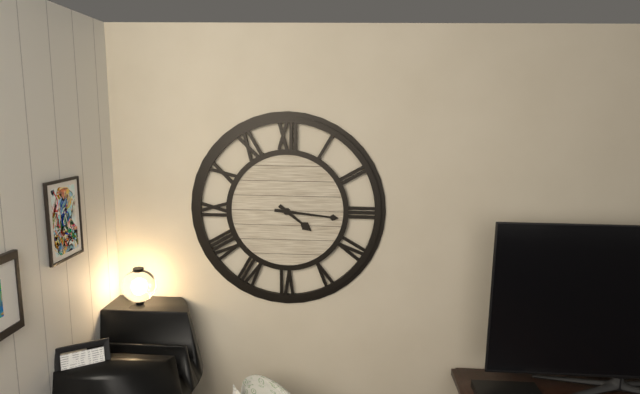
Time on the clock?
4:16
